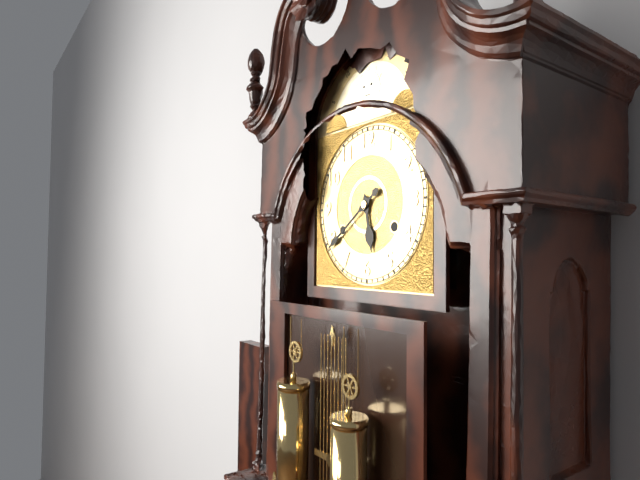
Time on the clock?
5:39
